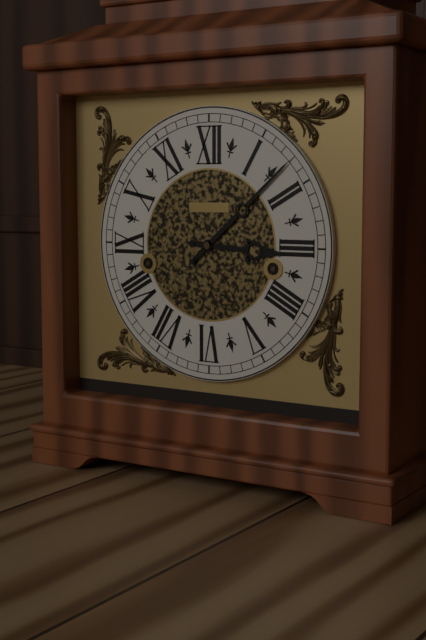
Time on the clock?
3:08
